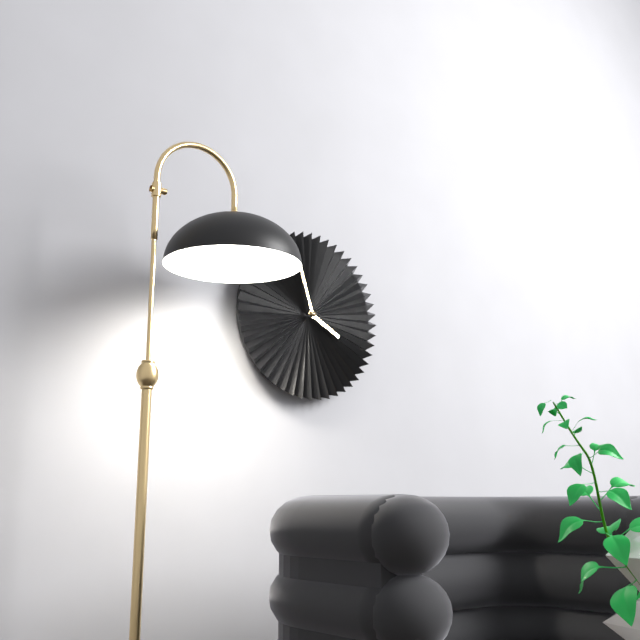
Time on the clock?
3:57
